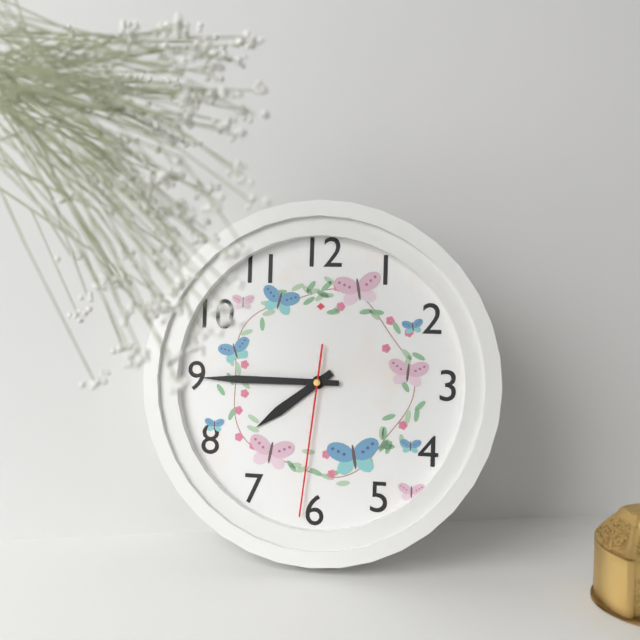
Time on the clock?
7:45:31
